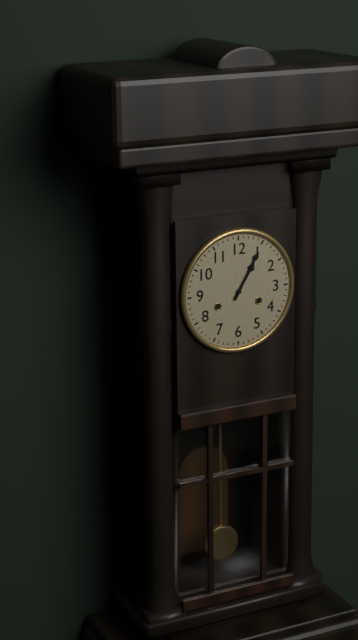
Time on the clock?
1:05
